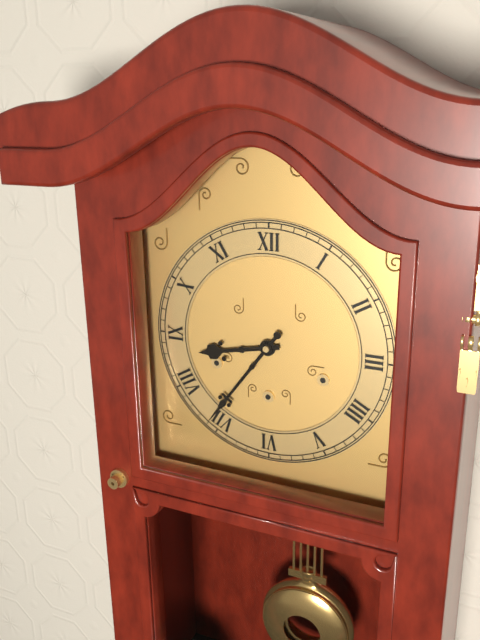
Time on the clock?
8:36
